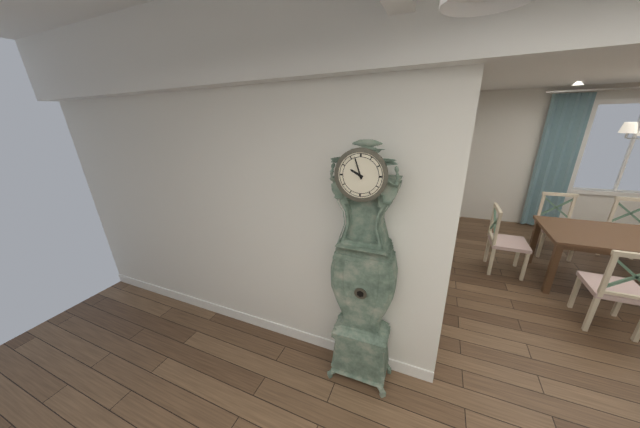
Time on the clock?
9:57
